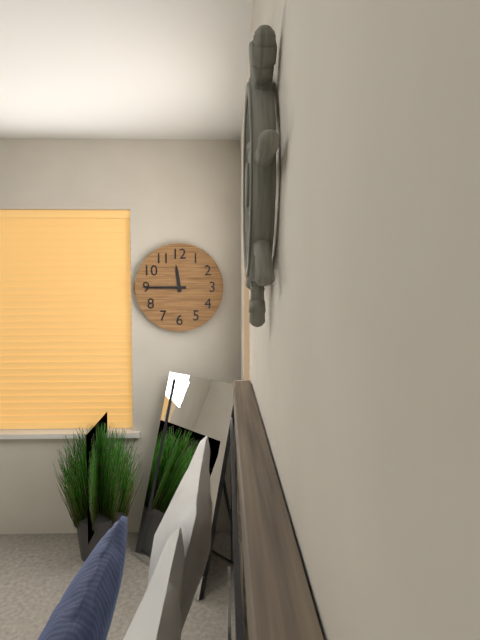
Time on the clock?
11:45
